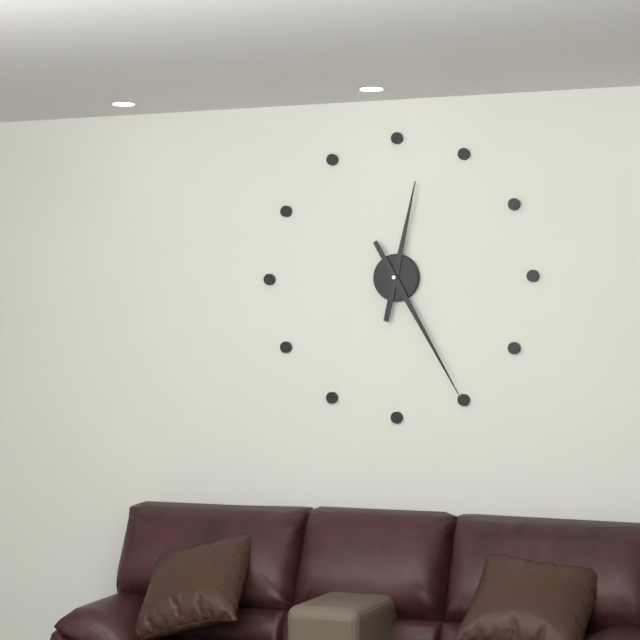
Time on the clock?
12:25
